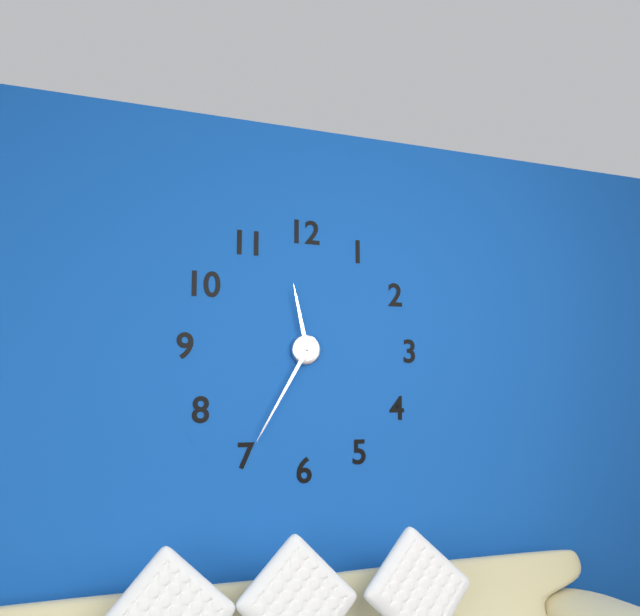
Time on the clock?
11:35
